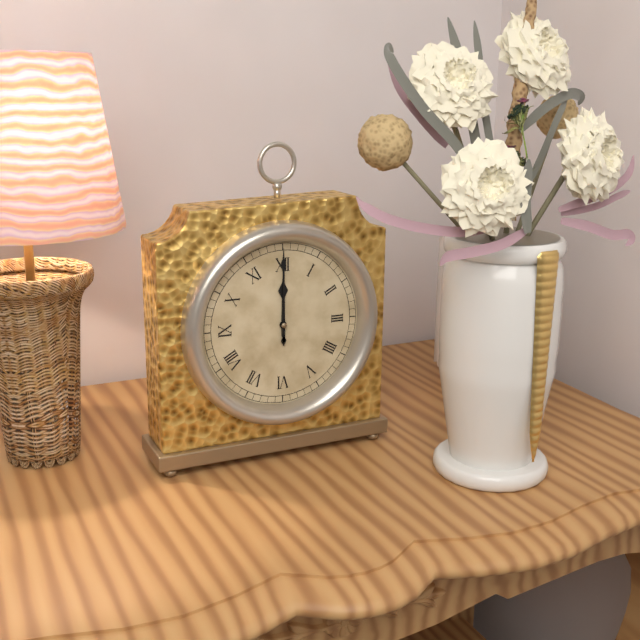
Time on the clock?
12:00
